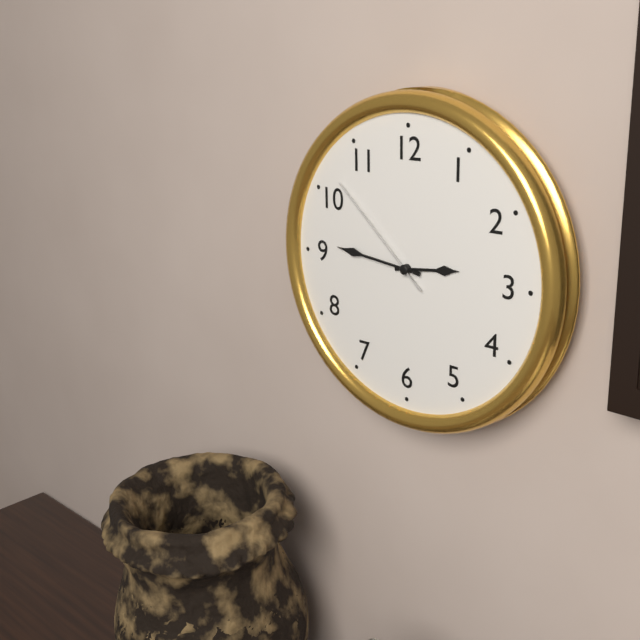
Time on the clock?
2:46:52
